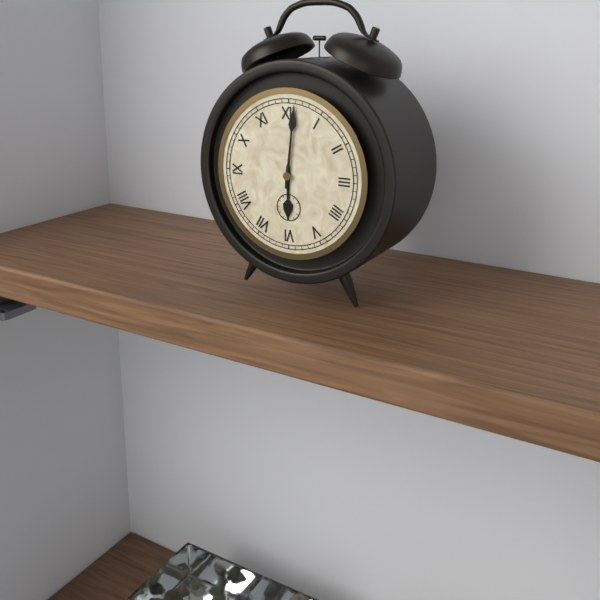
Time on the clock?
6:01
